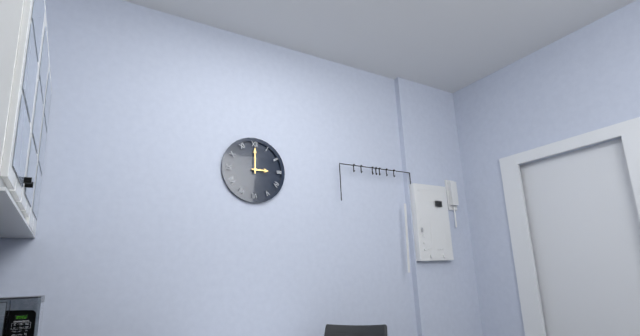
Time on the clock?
3:00
